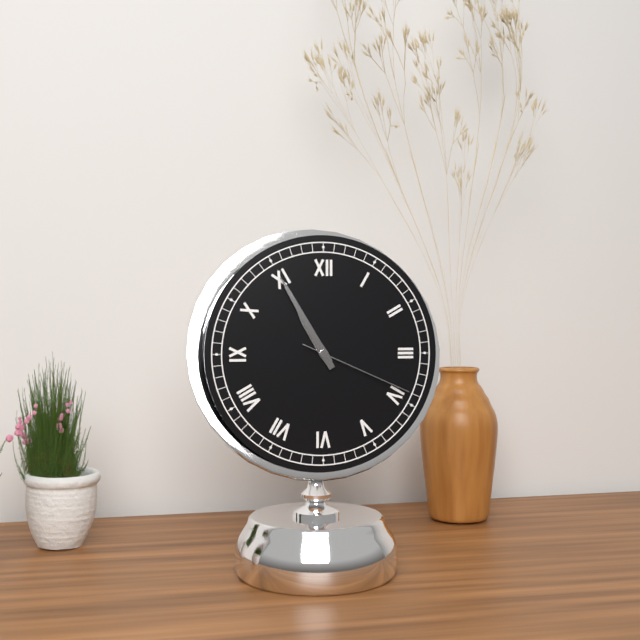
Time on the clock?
10:55:19
